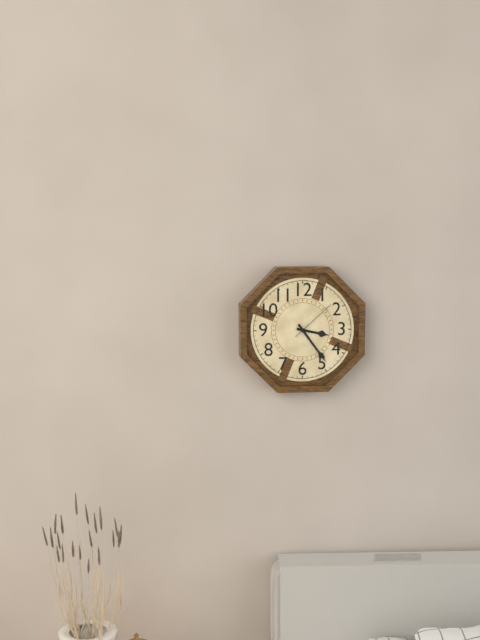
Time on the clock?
3:24
